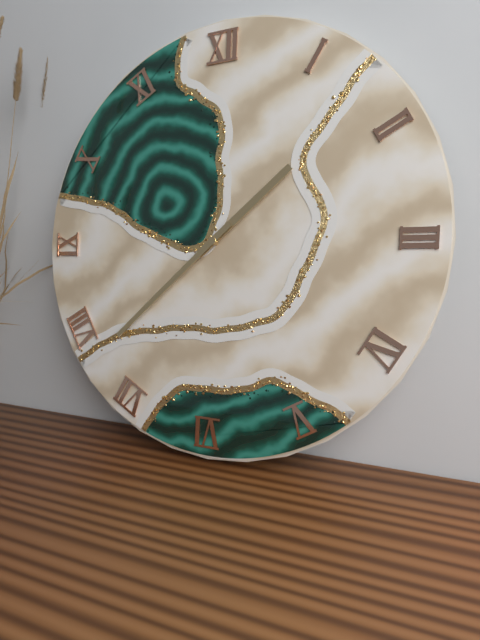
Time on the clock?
1:38
